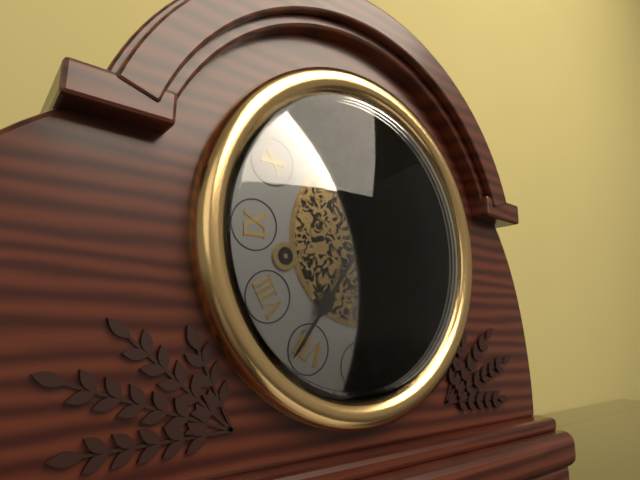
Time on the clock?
1:36
